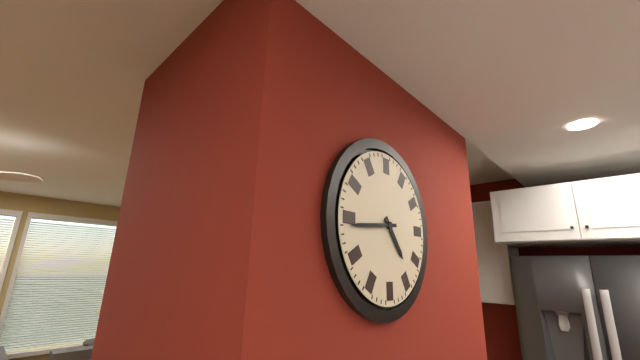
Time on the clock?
4:44
